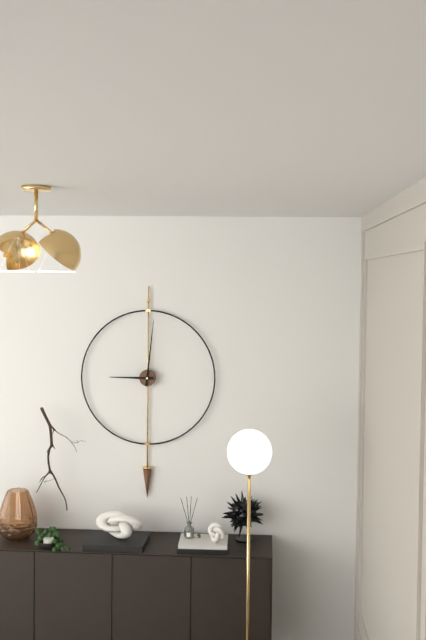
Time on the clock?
9:01
